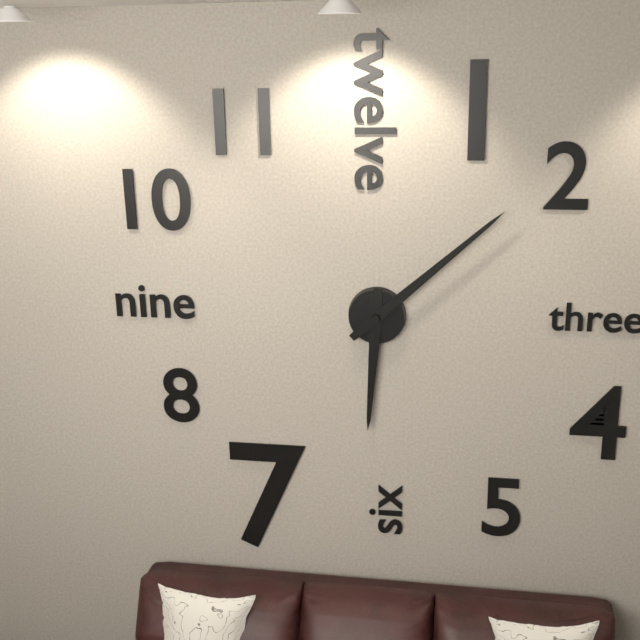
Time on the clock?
6:08
